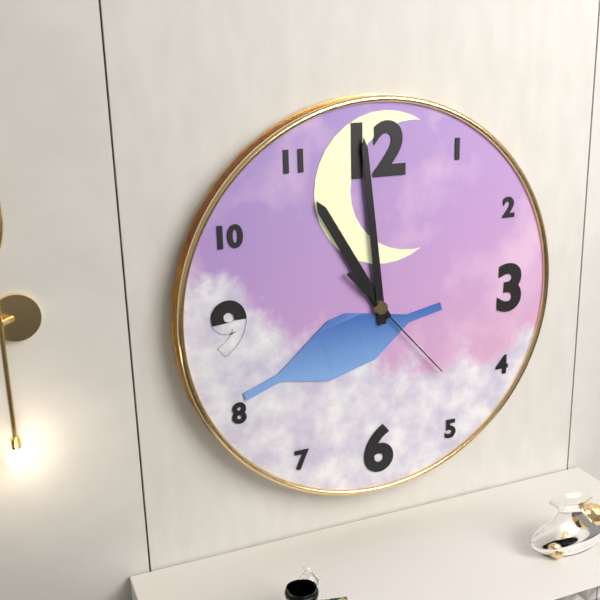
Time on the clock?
10:59:23
